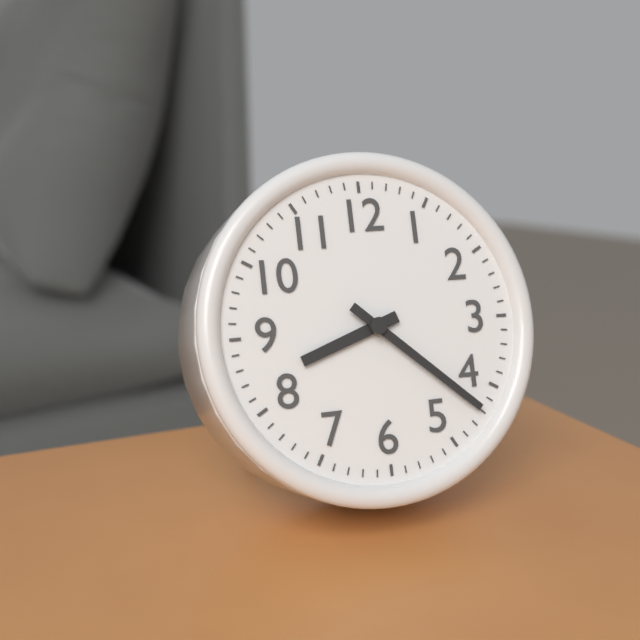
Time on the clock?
8:22
